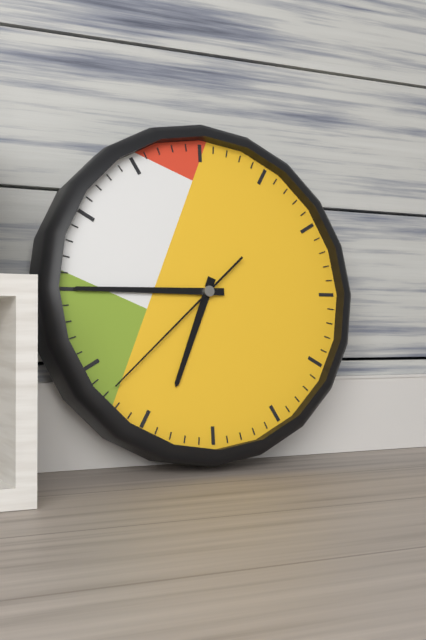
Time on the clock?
6:45:38
